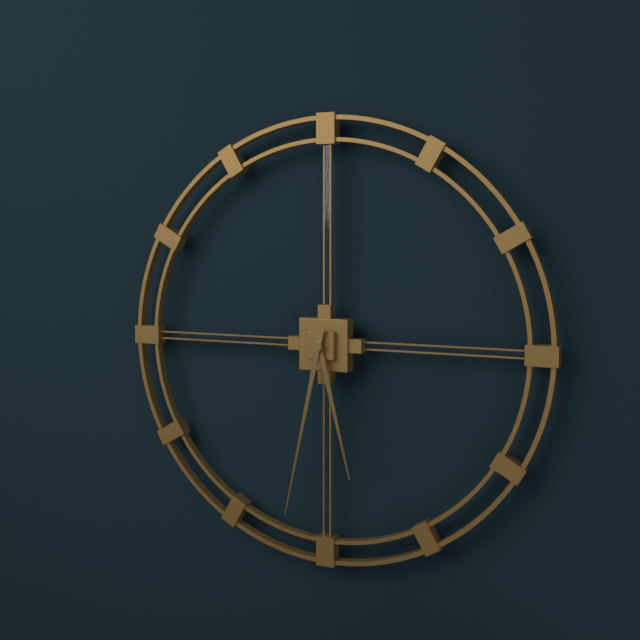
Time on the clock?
5:32
